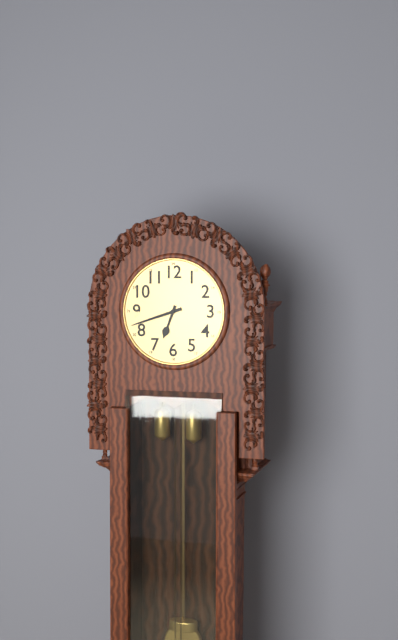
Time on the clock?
6:42
